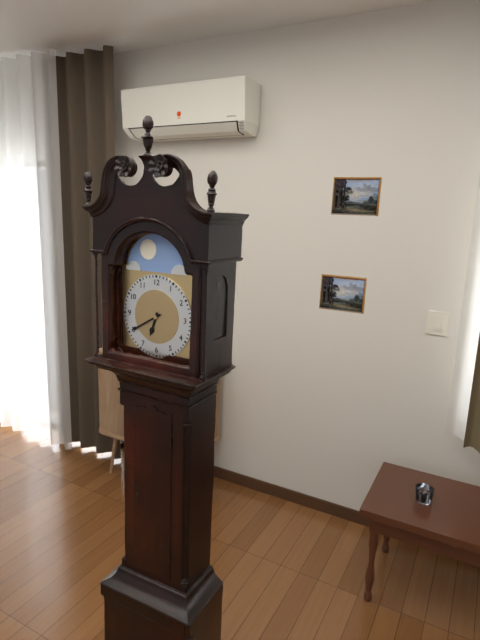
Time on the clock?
6:40
